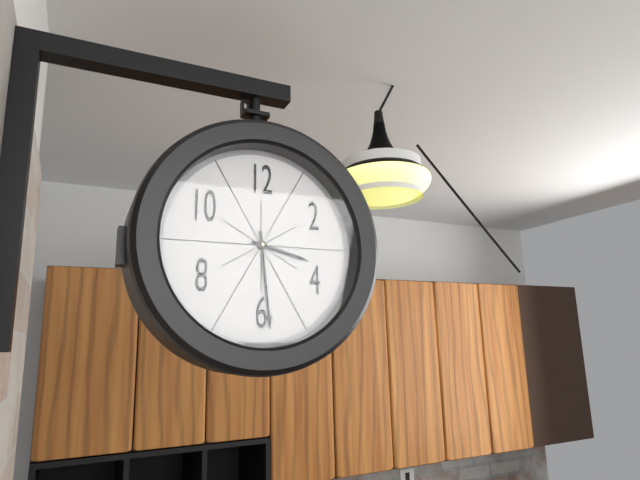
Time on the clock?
3:29
